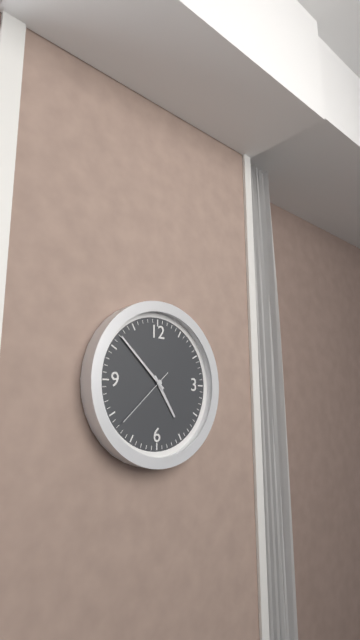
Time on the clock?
4:52:38
